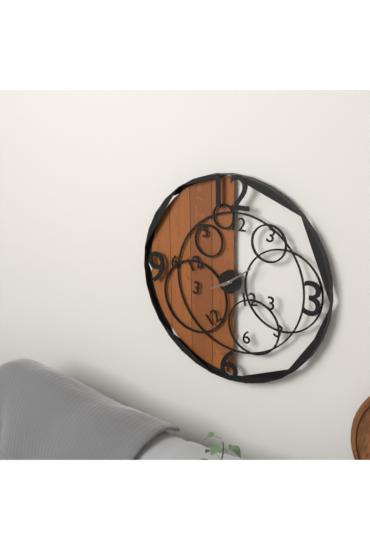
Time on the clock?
8:09
